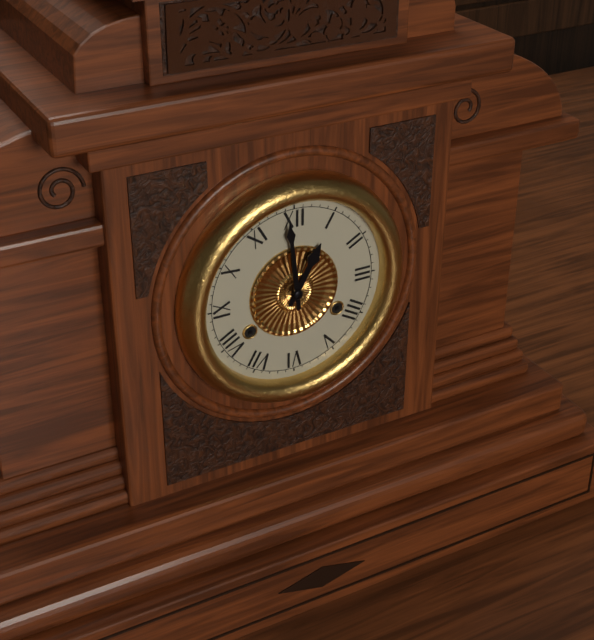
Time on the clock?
12:59
